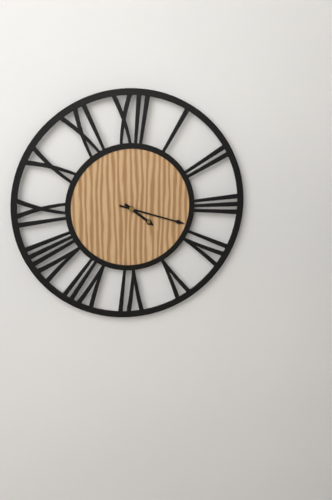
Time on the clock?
4:18
